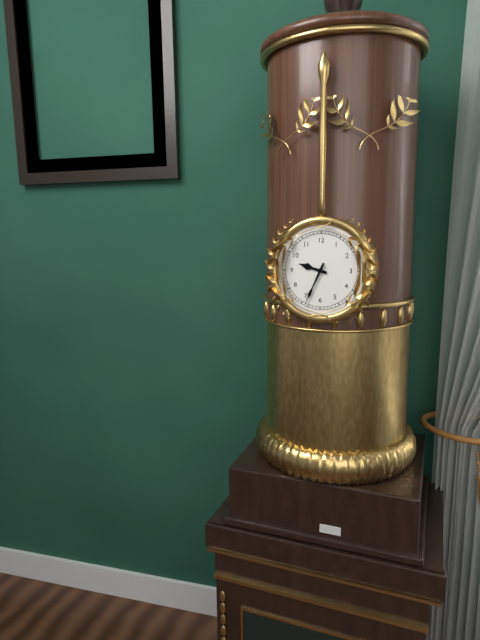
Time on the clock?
9:34
